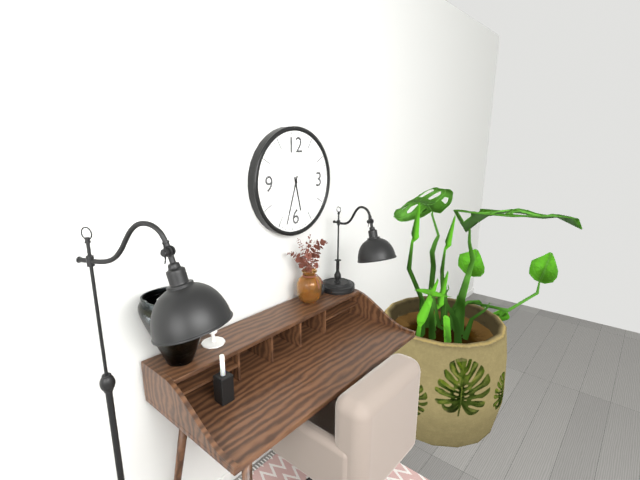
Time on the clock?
5:33
